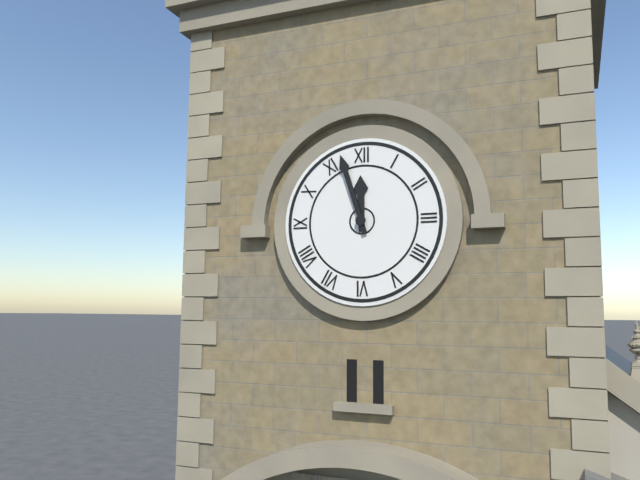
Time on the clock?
11:57
